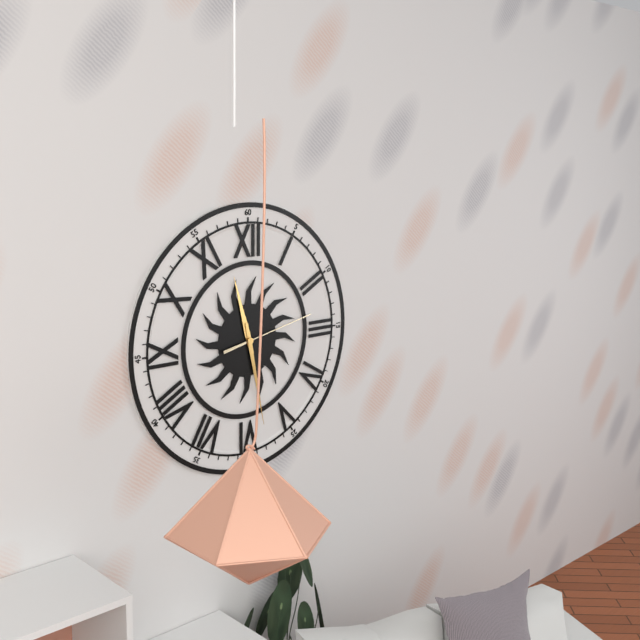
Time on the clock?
11:28:13
